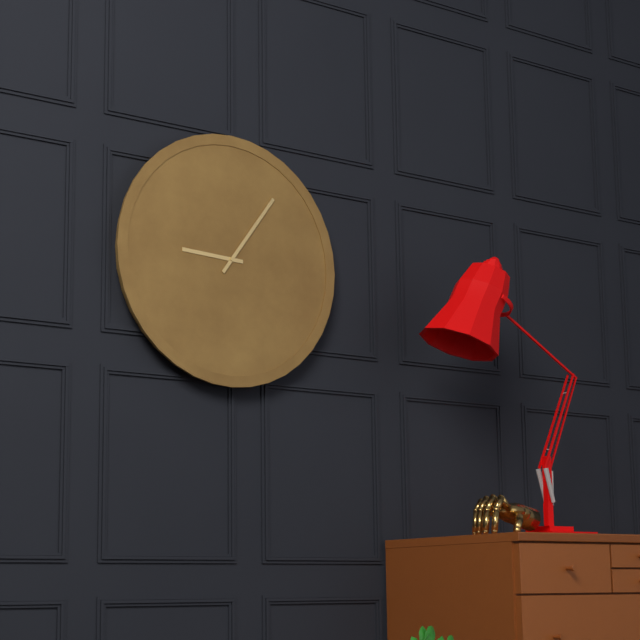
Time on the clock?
9:06
